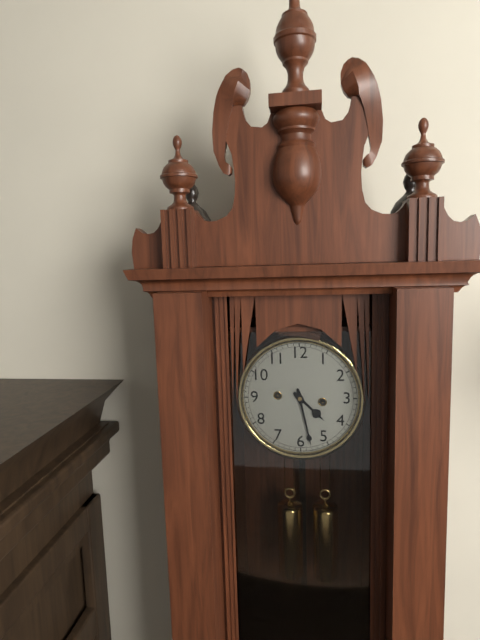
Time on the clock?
4:28
